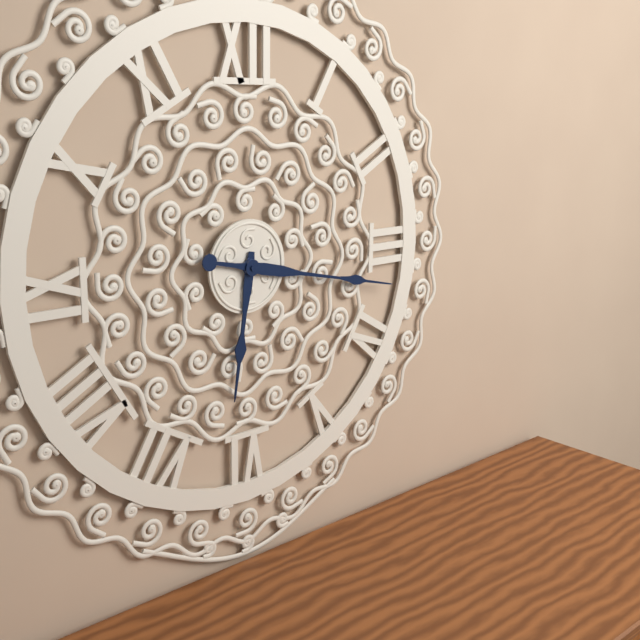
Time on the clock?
6:17
